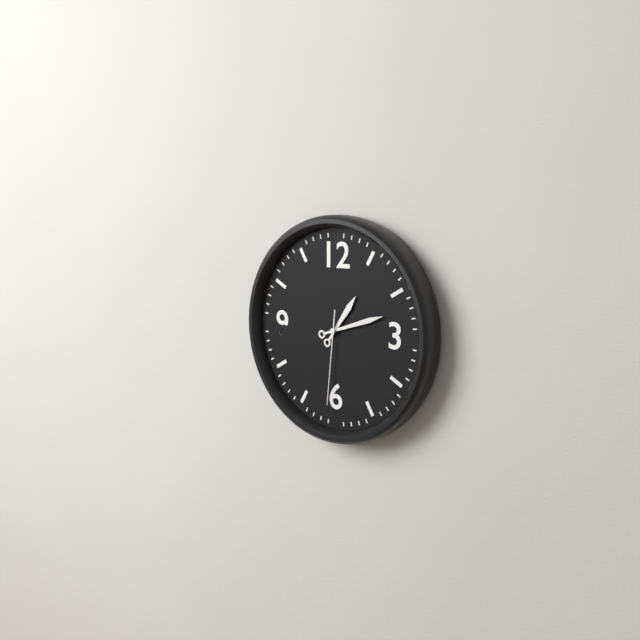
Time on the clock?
1:12:31
